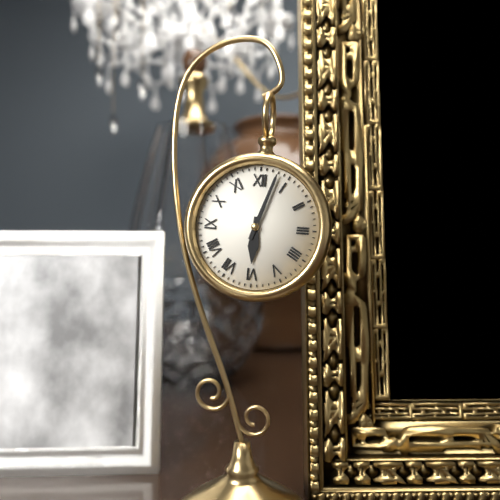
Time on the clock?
6:03
